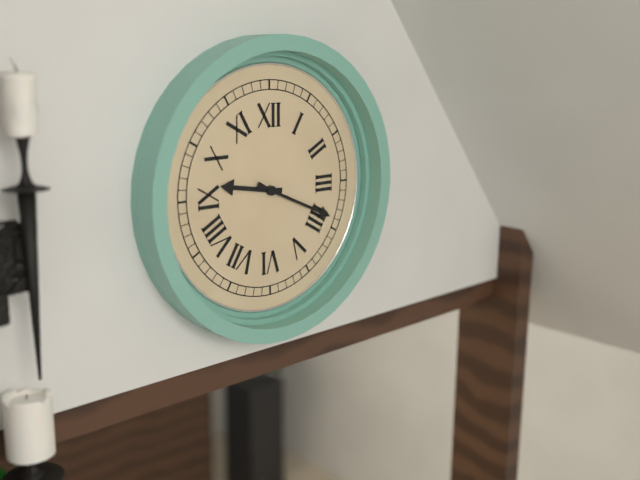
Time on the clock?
9:19
